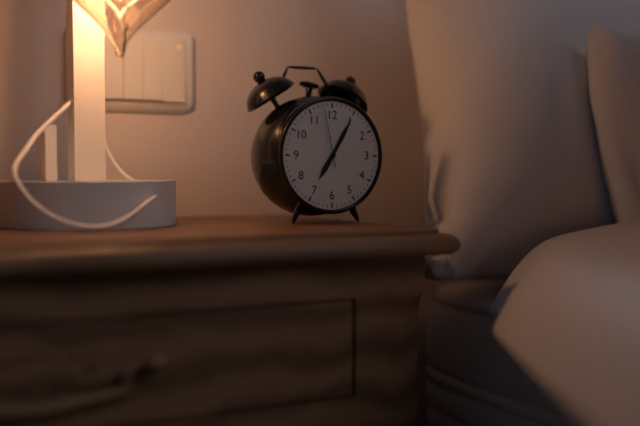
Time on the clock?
7:05:58
